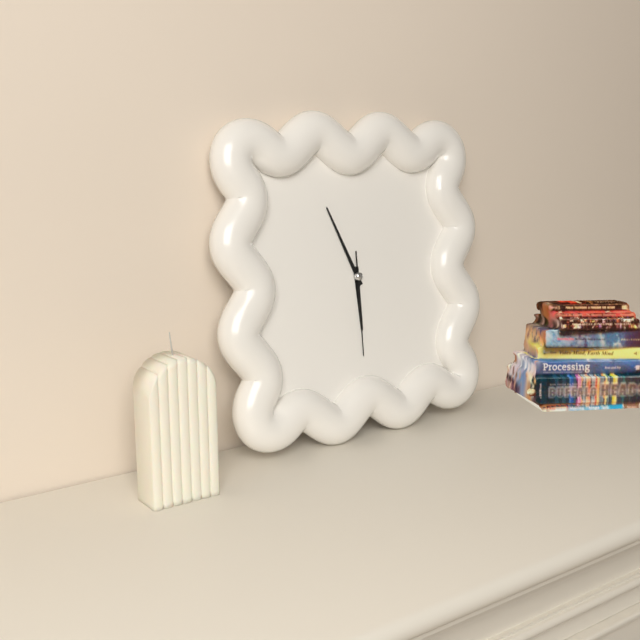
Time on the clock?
5:56:30
